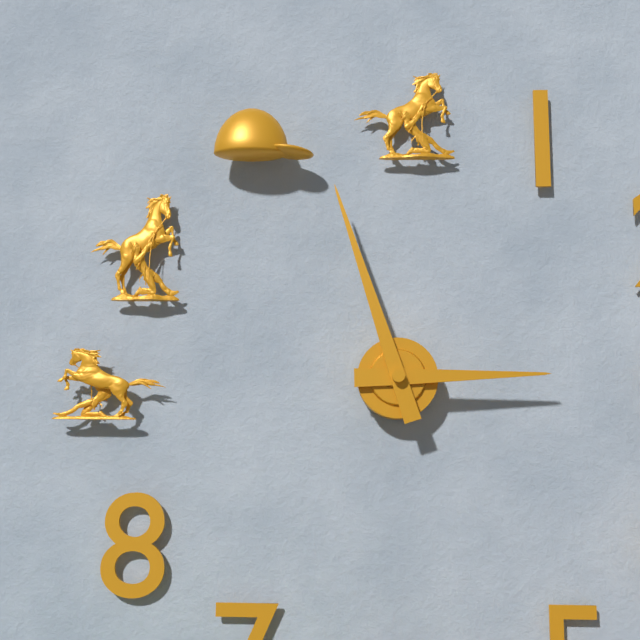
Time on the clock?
2:57
